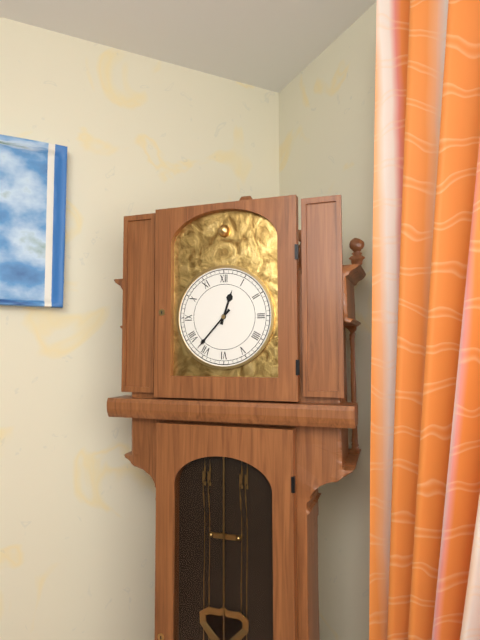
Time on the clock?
12:37
